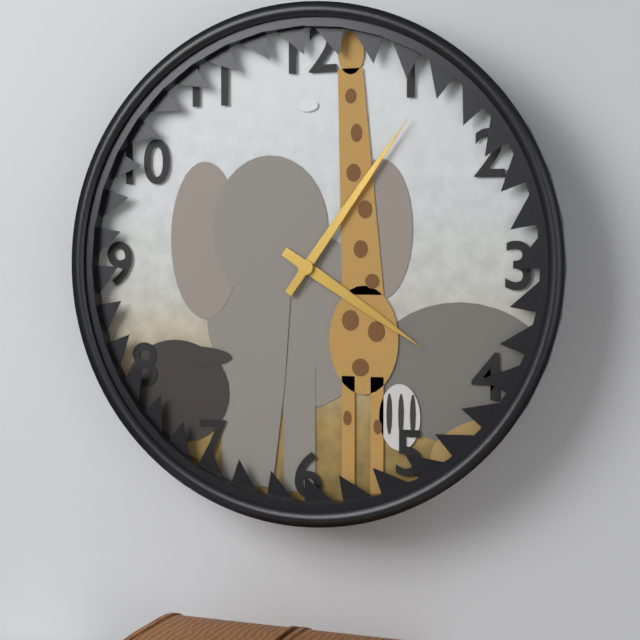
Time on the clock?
4:06
